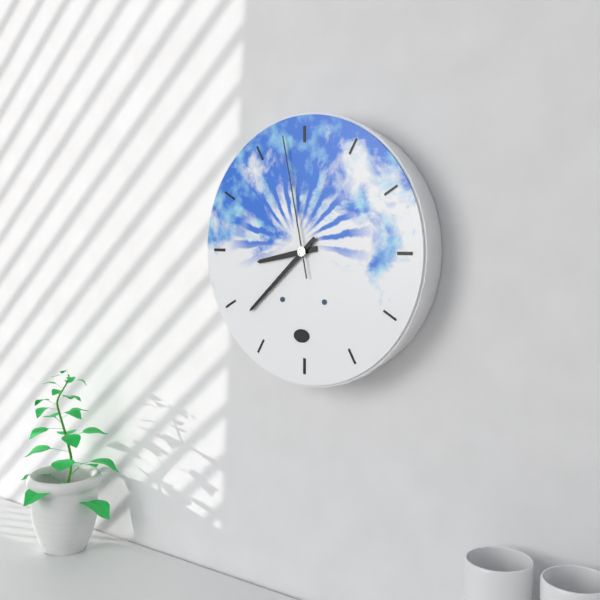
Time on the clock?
8:38:58
